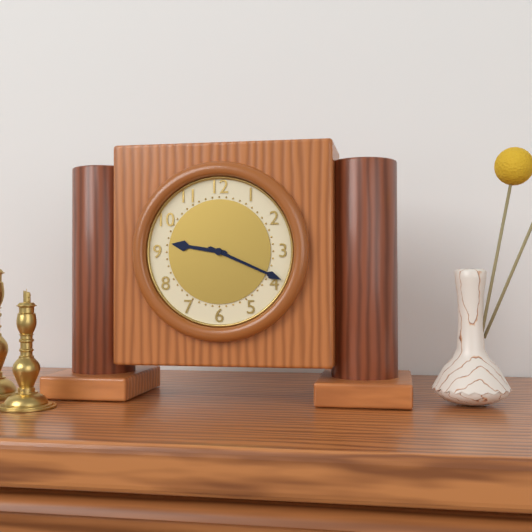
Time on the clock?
9:19
